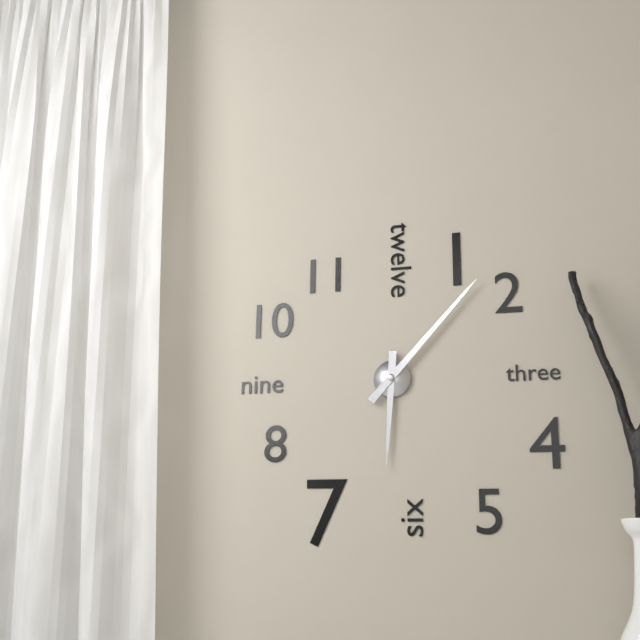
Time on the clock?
6:07
